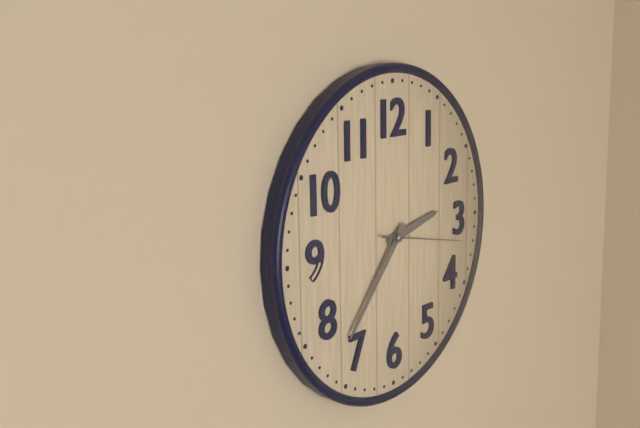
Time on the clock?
2:37:17
